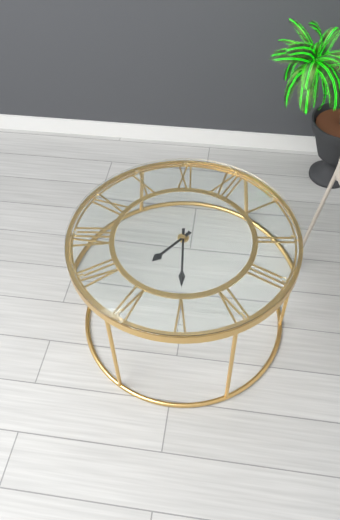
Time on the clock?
6:25
